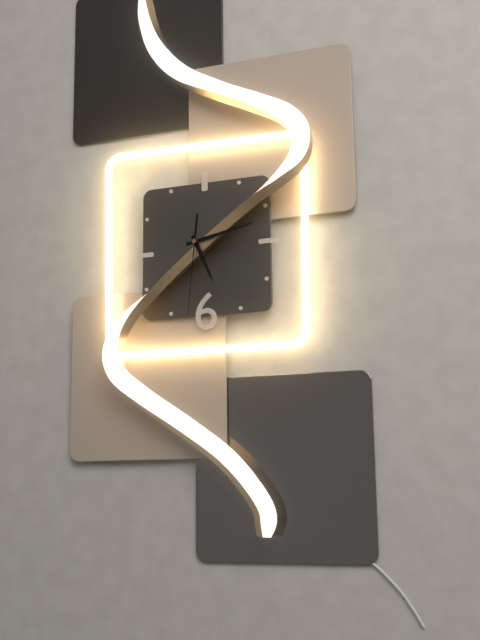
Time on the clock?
5:13:31
